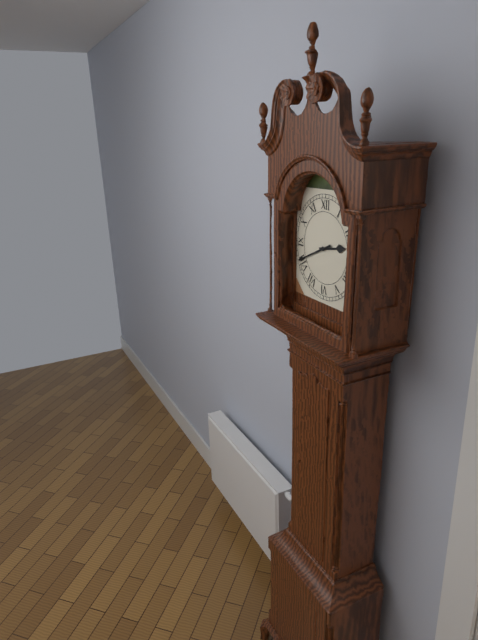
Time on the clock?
2:41
